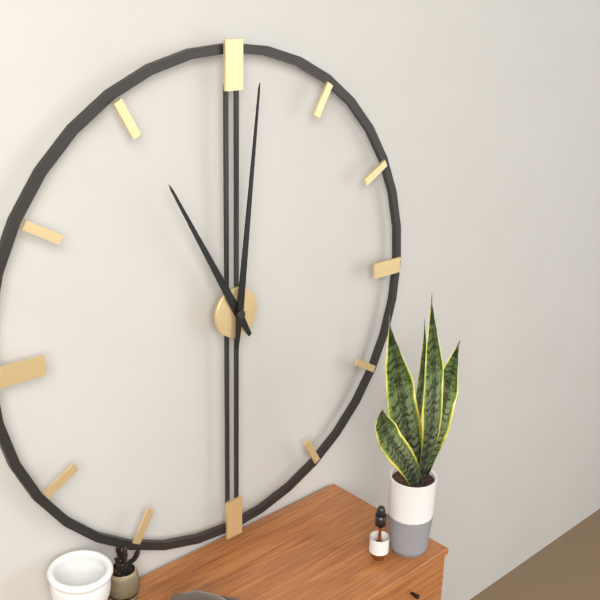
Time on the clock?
11:01
